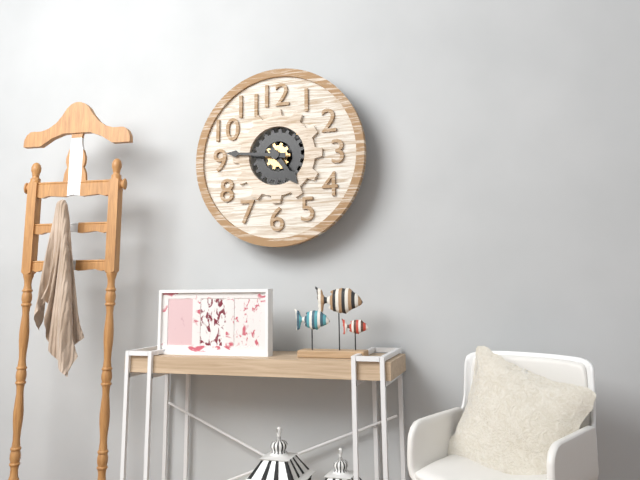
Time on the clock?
4:46
